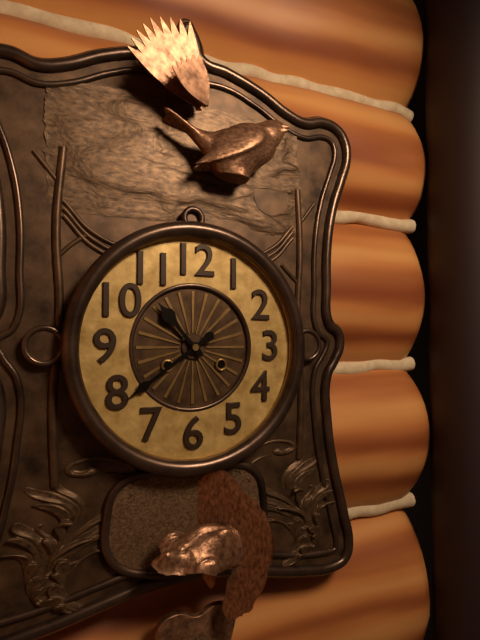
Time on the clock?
10:39
